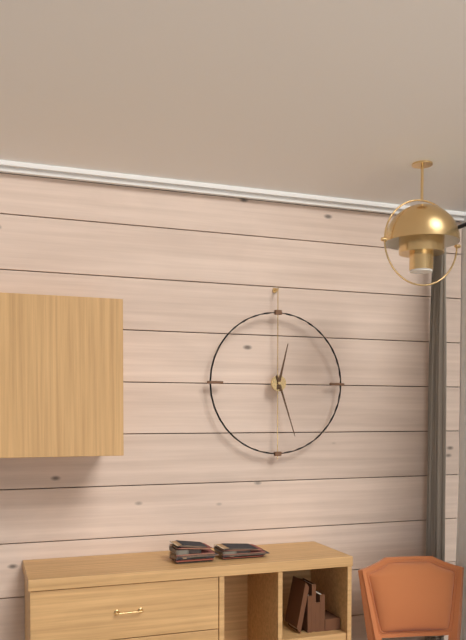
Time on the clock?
12:27
